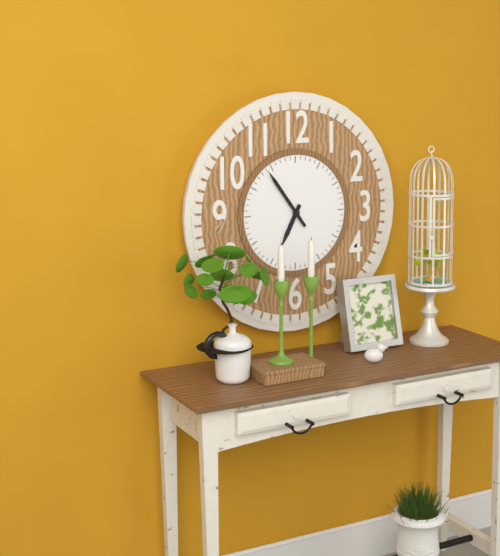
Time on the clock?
6:54
